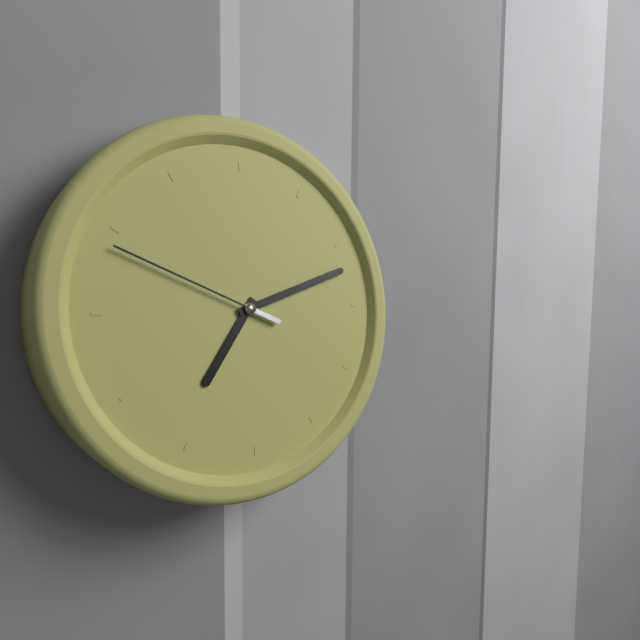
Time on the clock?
7:12:49
